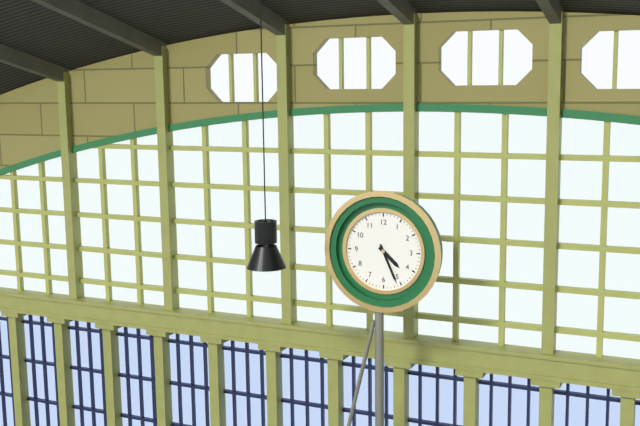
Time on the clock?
4:26
